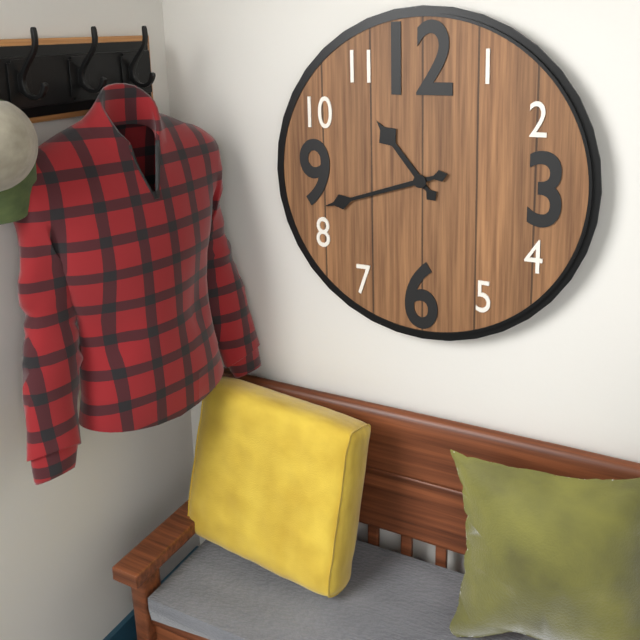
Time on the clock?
10:42
